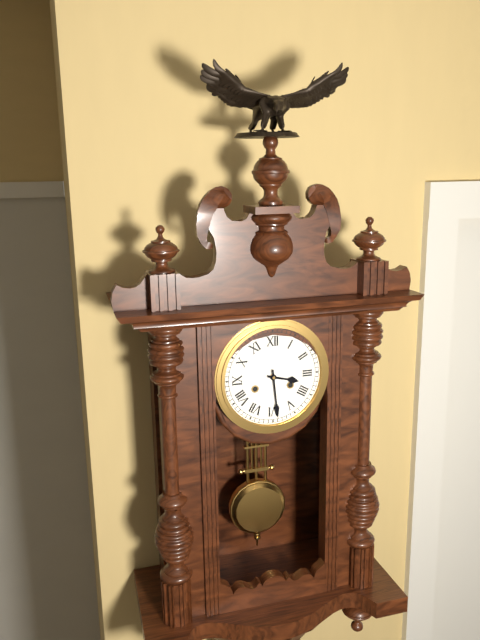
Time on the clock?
3:29
